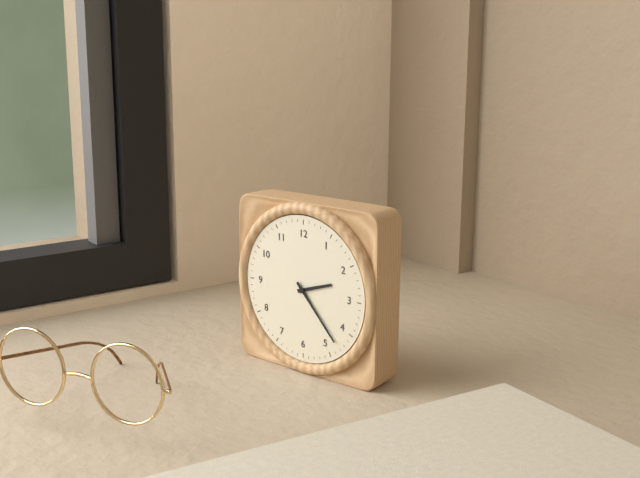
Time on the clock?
2:23
